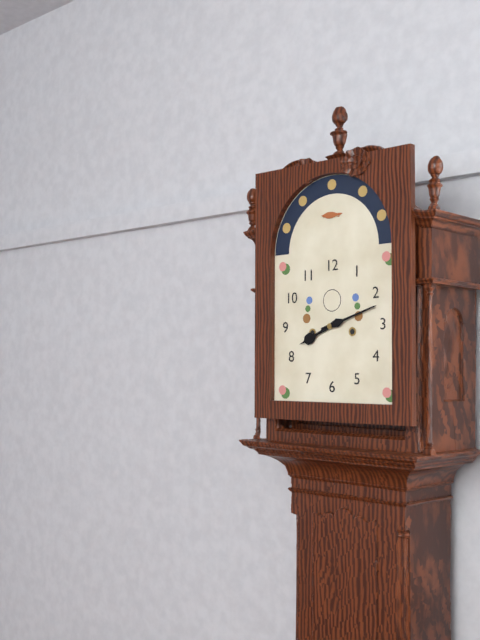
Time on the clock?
8:12
